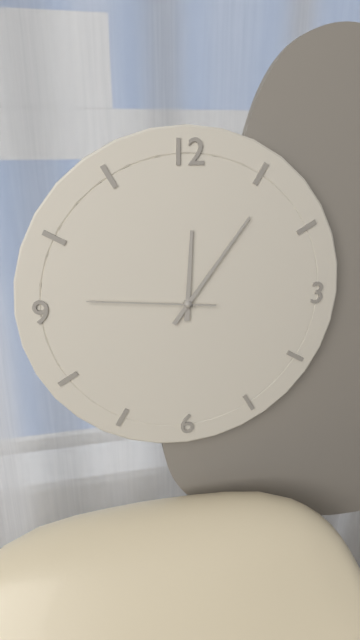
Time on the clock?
12:06:46
